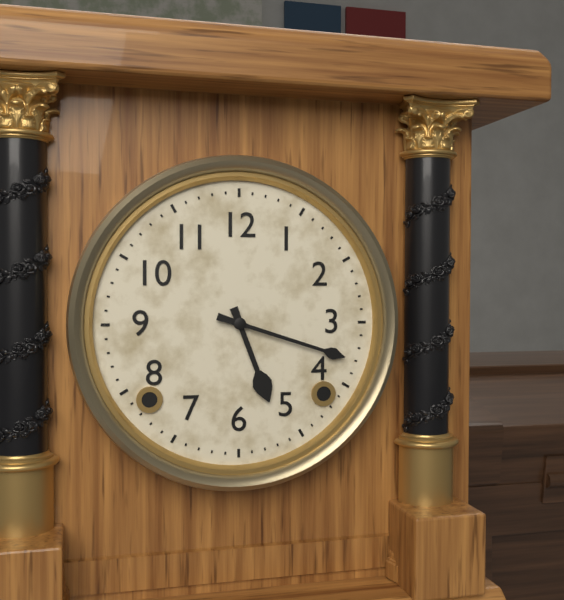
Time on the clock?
5:18
